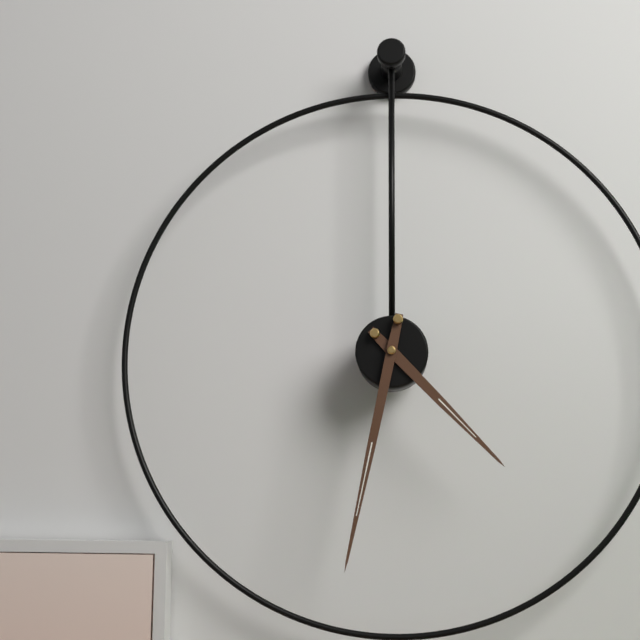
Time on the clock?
4:32
